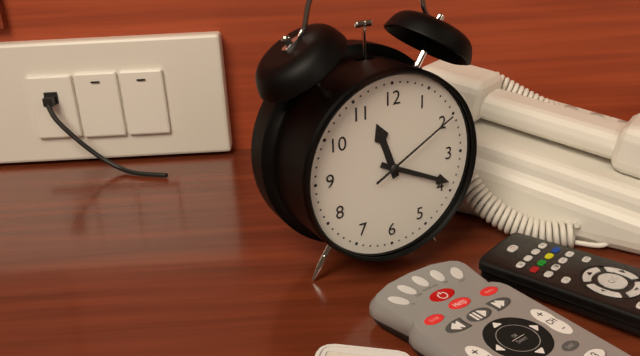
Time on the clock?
11:19:10
